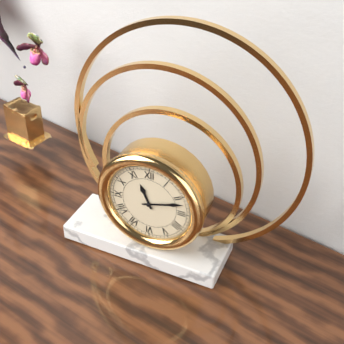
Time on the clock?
11:12
